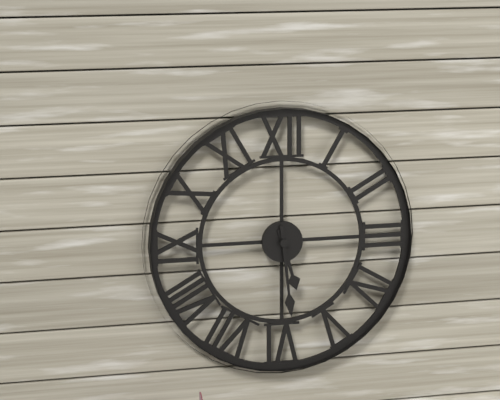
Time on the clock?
5:29
